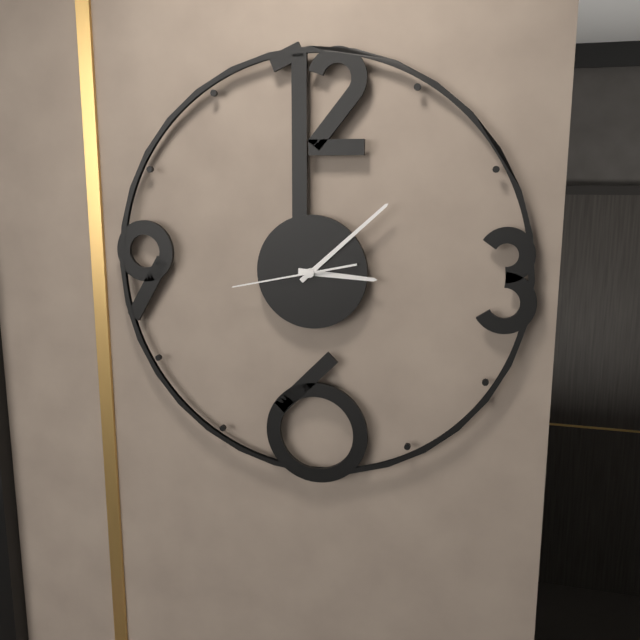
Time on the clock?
3:08:43
